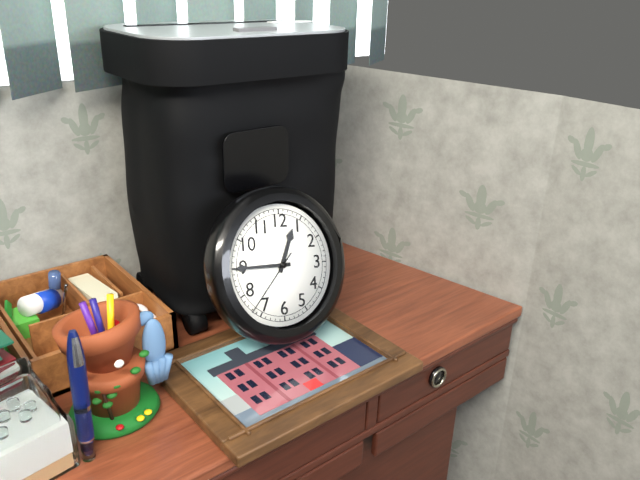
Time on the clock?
12:45:37
